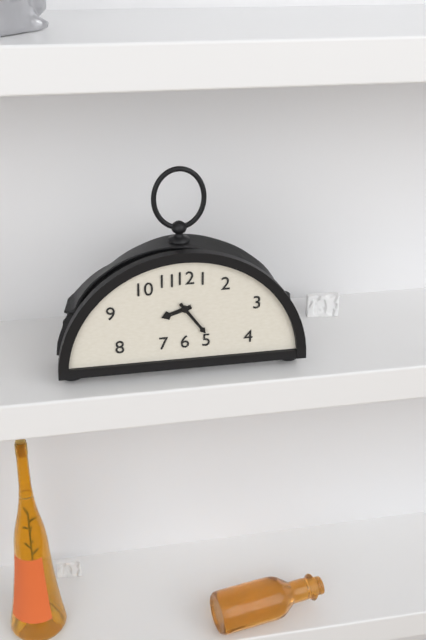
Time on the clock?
8:24
